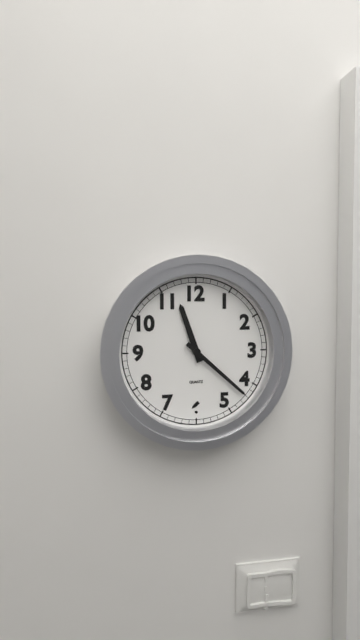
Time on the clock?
11:22
